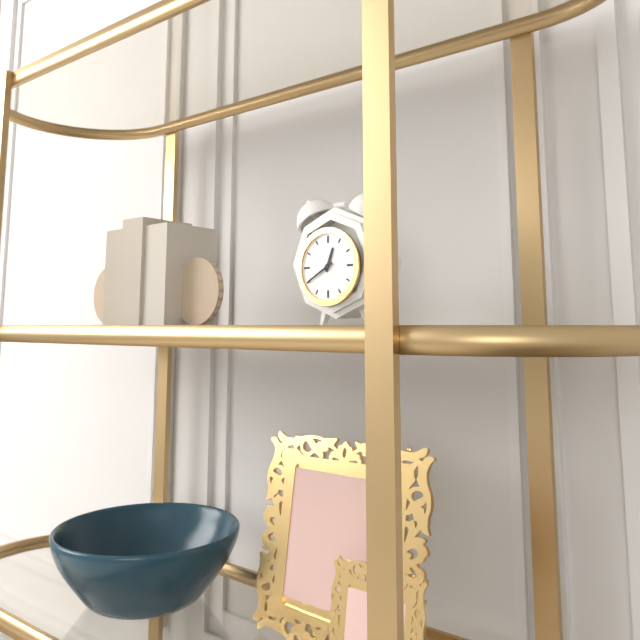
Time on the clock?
12:40
